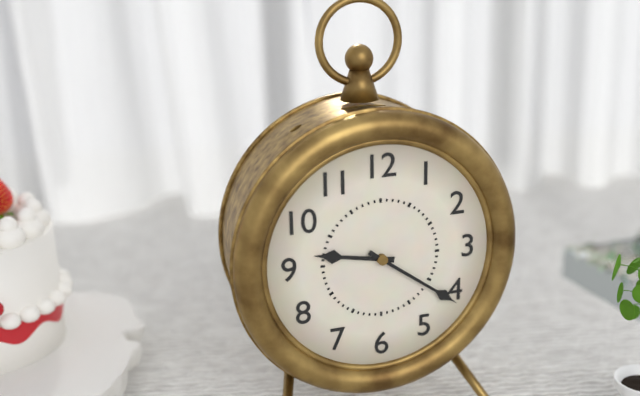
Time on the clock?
9:21
